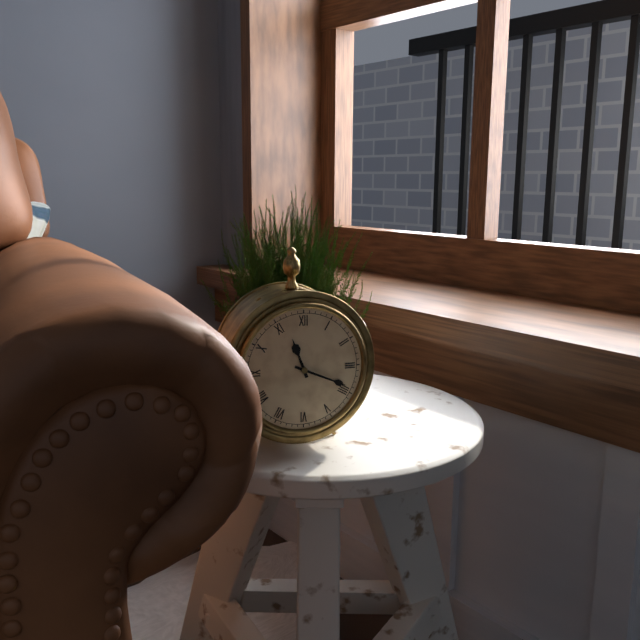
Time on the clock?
11:19
